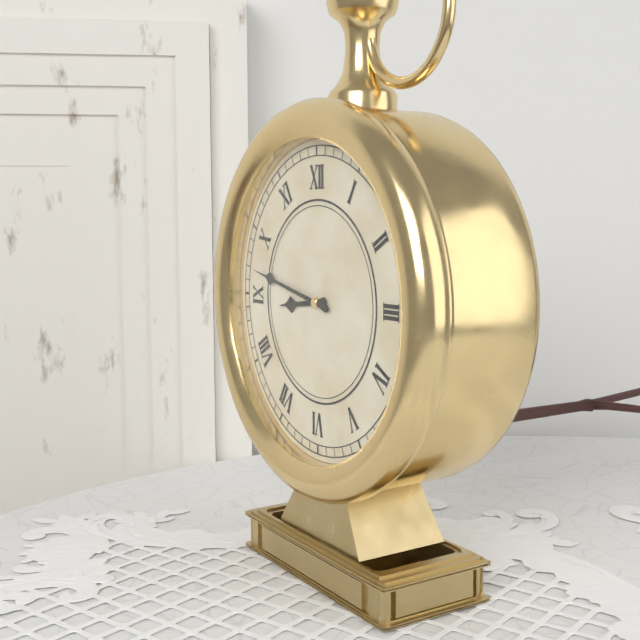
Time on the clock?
8:47
